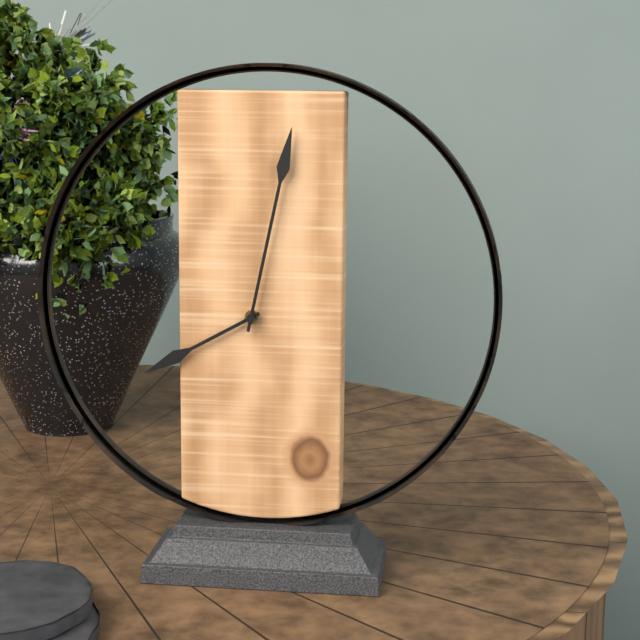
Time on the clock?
8:02
